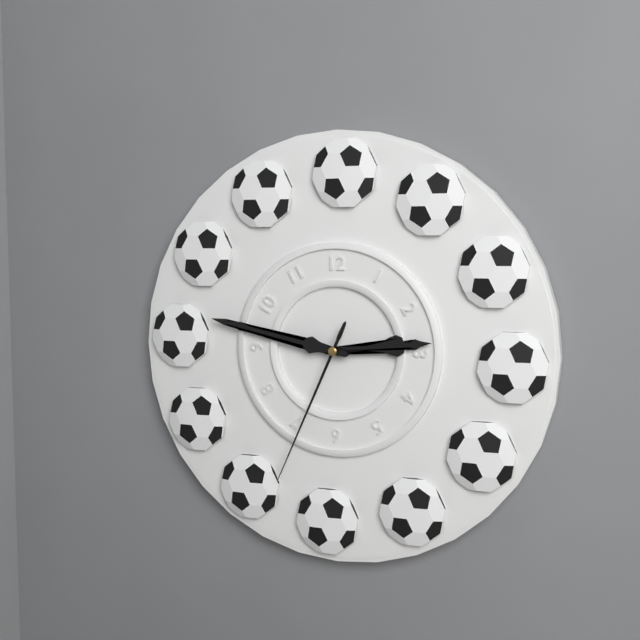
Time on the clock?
2:47:34
